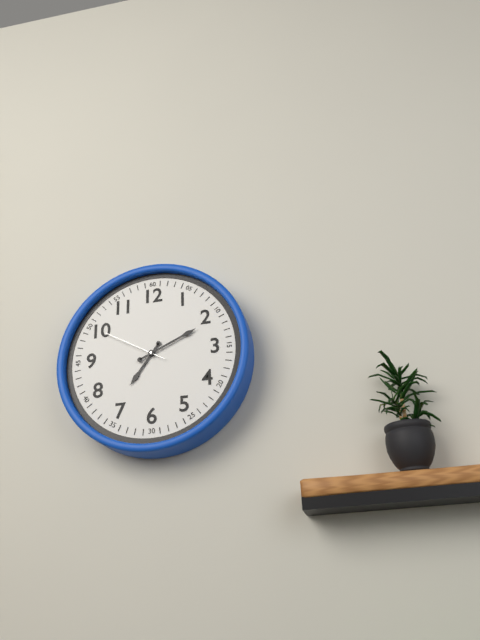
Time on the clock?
7:11:50
